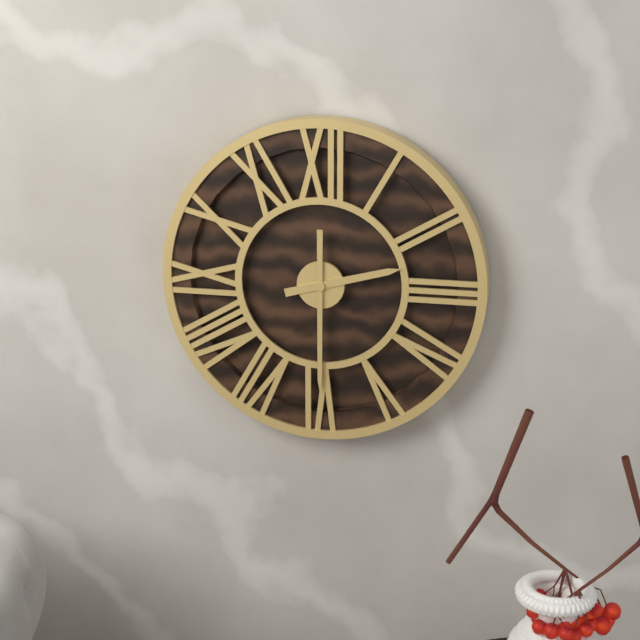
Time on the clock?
2:30
